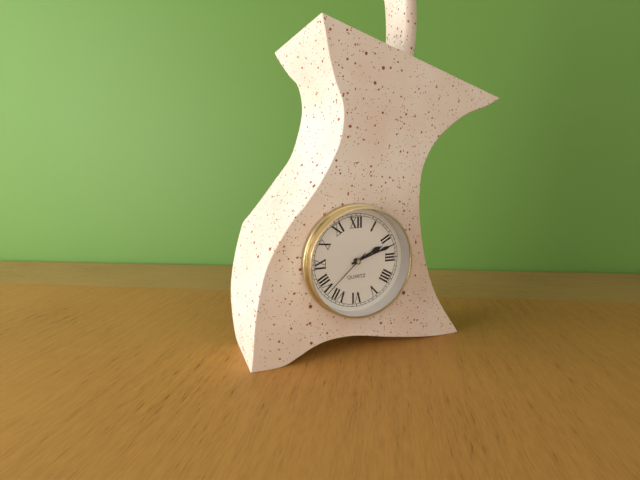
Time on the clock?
2:12:38
